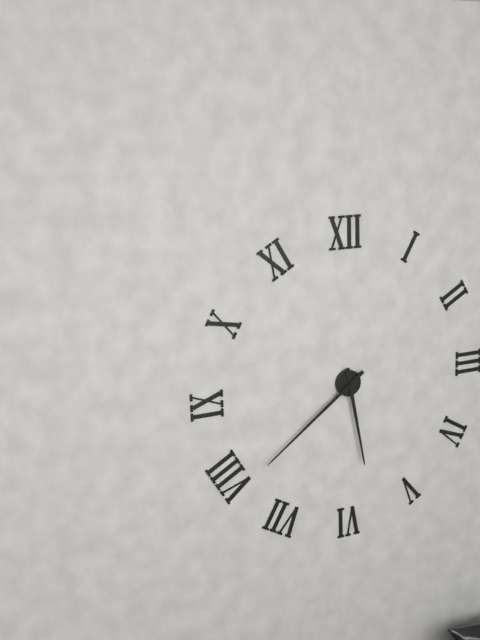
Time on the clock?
5:39
